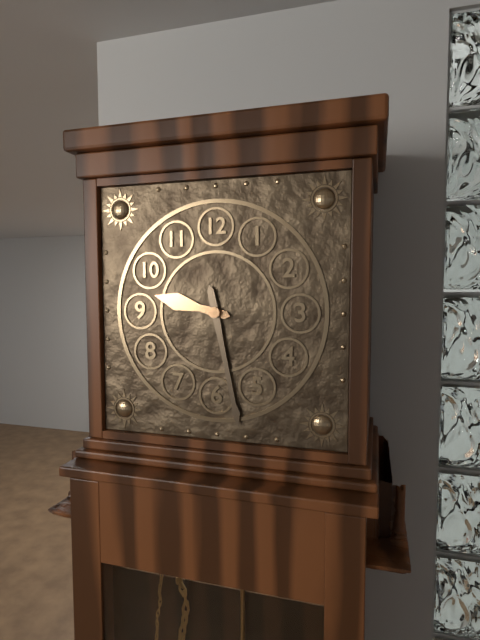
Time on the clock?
9:28
